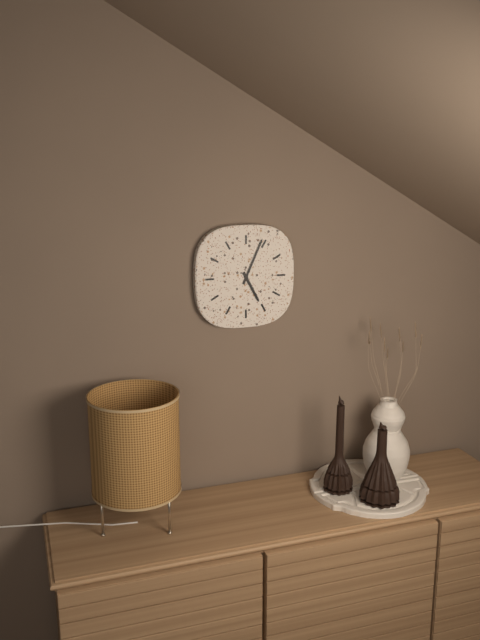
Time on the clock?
5:04
